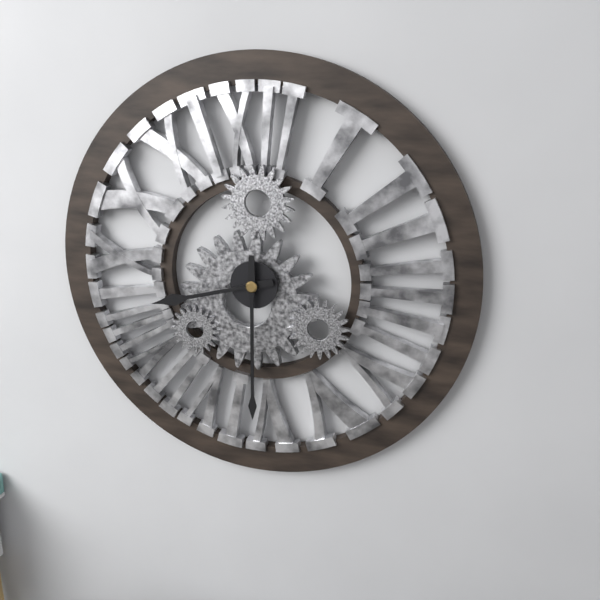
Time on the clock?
8:30
